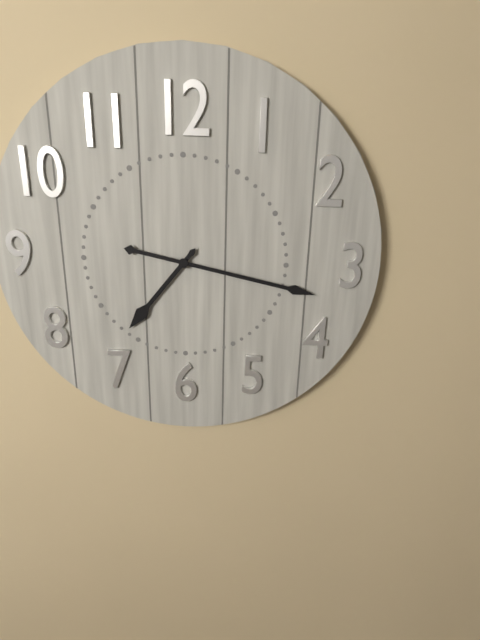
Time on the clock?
7:17
